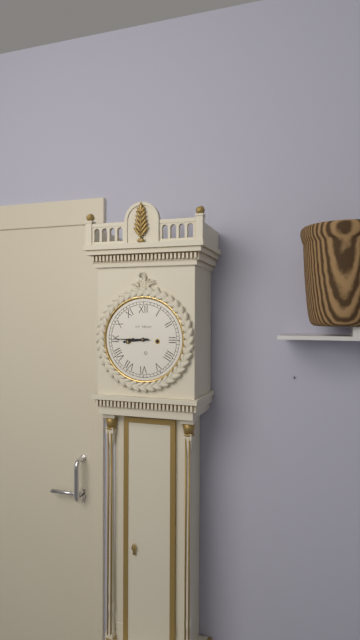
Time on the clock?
8:45
